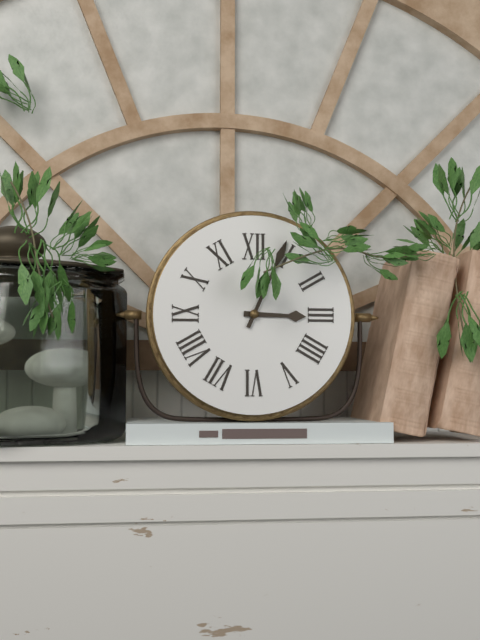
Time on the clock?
3:04
